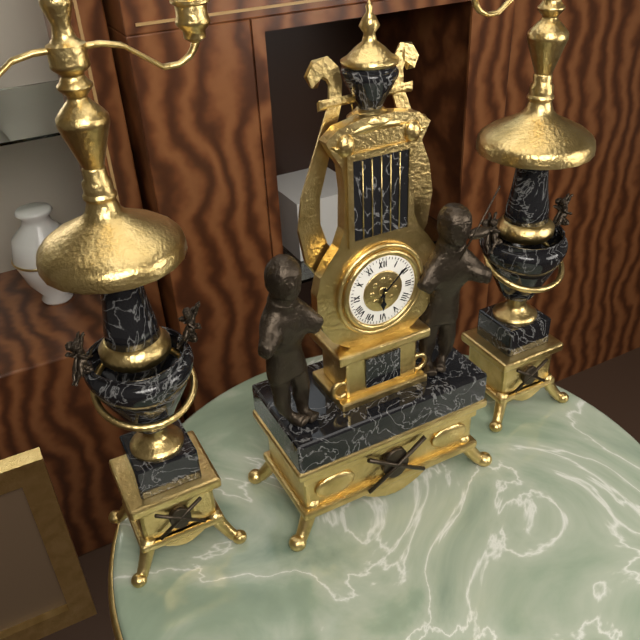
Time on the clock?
6:08
